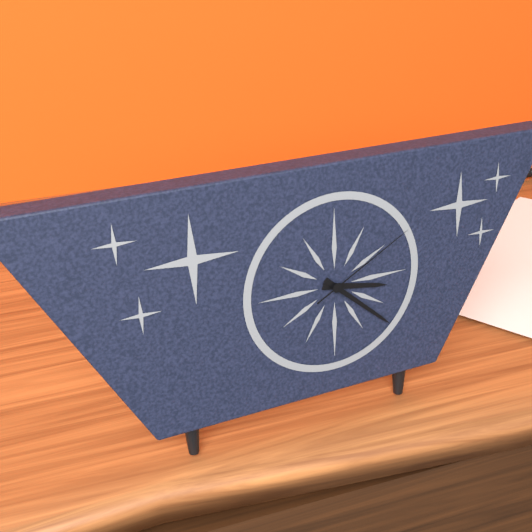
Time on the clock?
3:22:10
